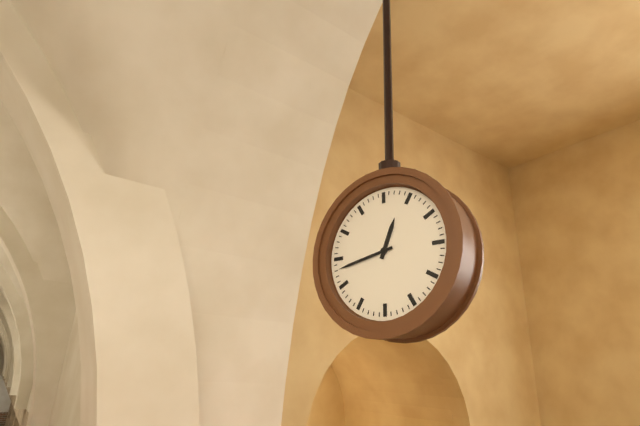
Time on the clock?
12:43
